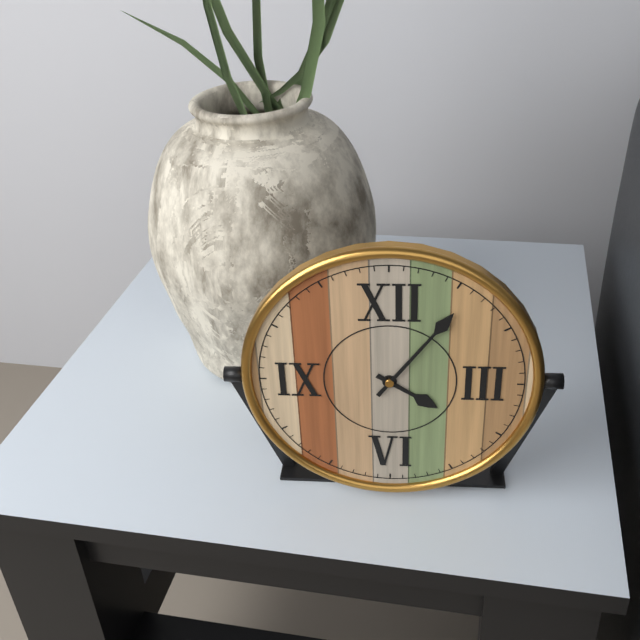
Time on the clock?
4:06
